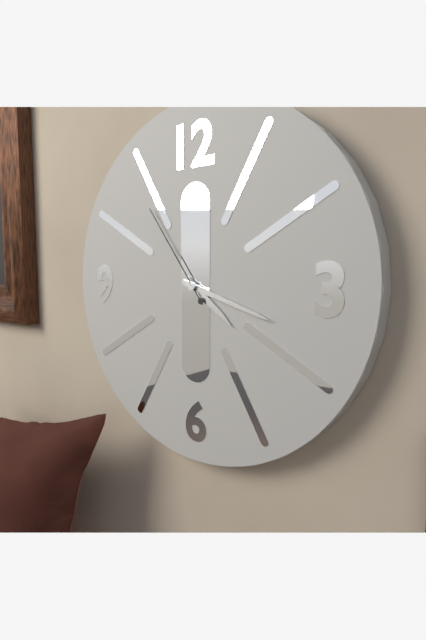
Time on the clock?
4:18:54
